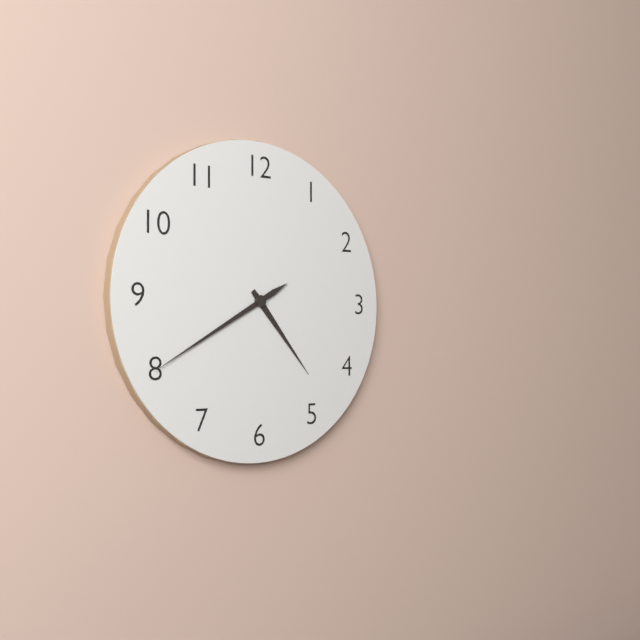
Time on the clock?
4:40
